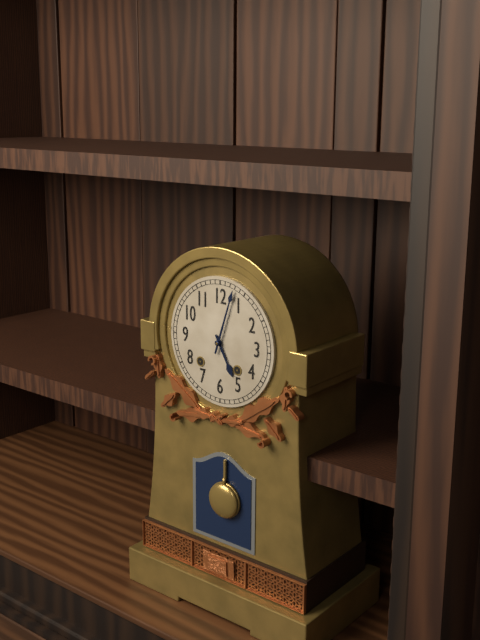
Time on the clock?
5:03
